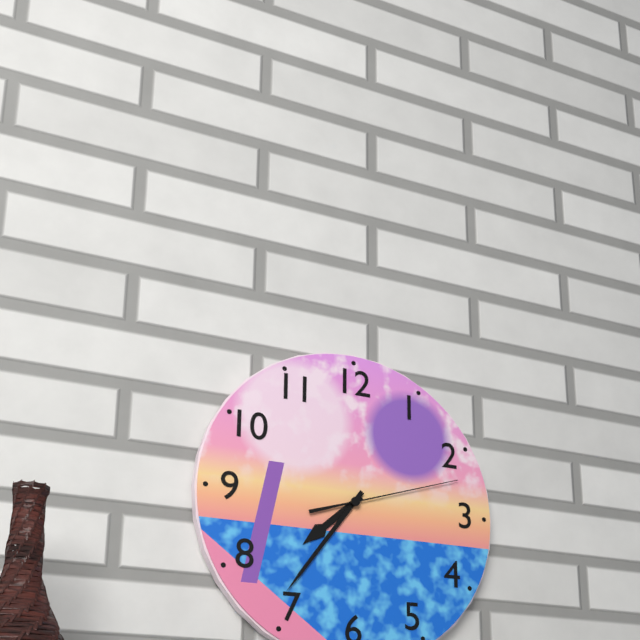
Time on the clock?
7:36:12
